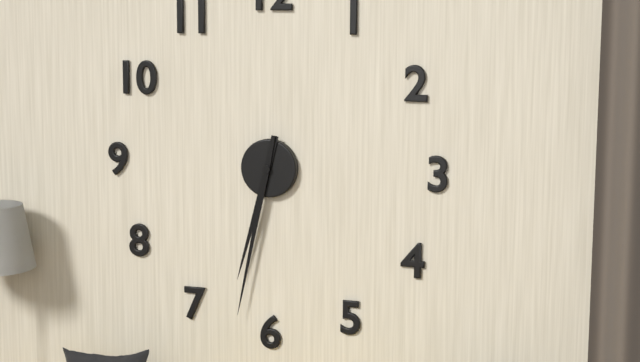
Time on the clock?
6:32
